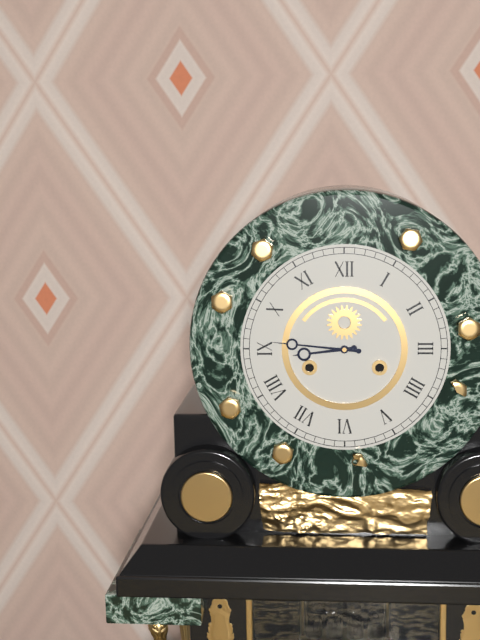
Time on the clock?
8:46
